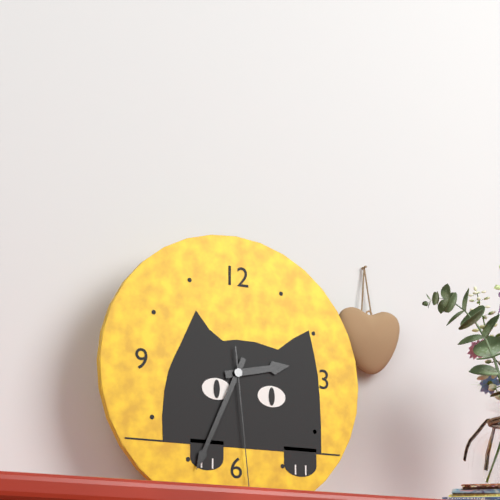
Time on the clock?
2:34:29
